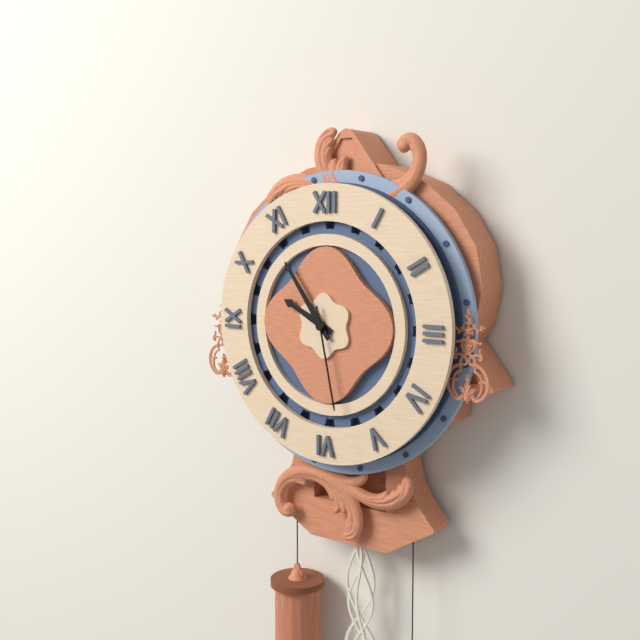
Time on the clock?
9:54:28
